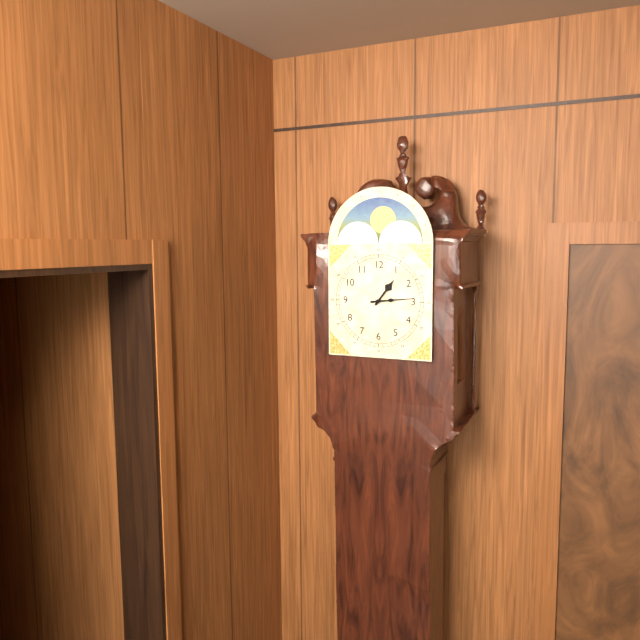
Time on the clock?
1:14
